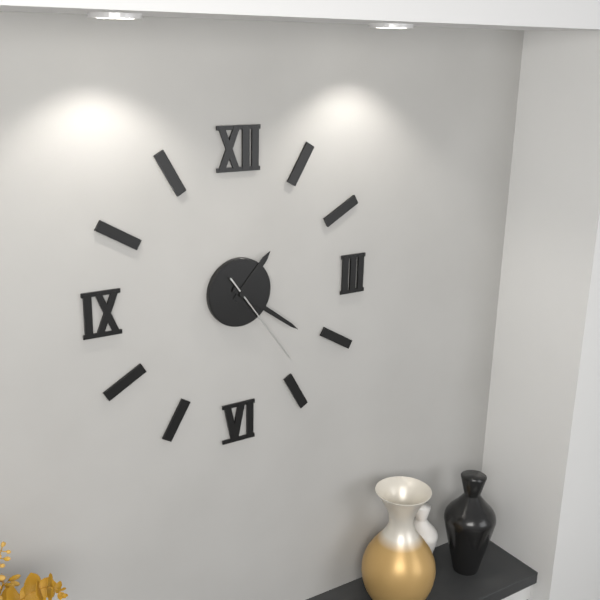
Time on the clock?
1:21:24
